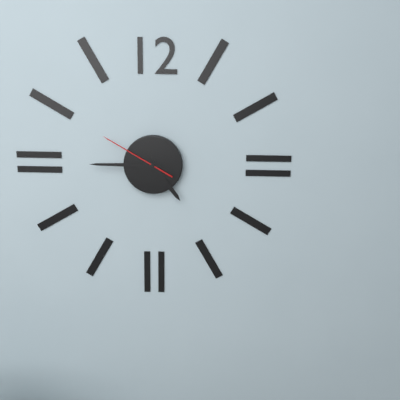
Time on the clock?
4:45:50
